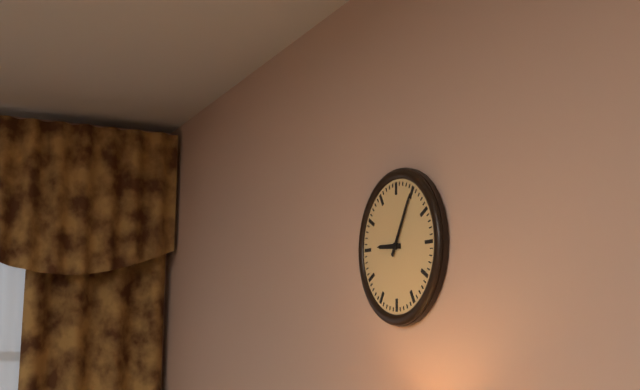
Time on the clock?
9:05
